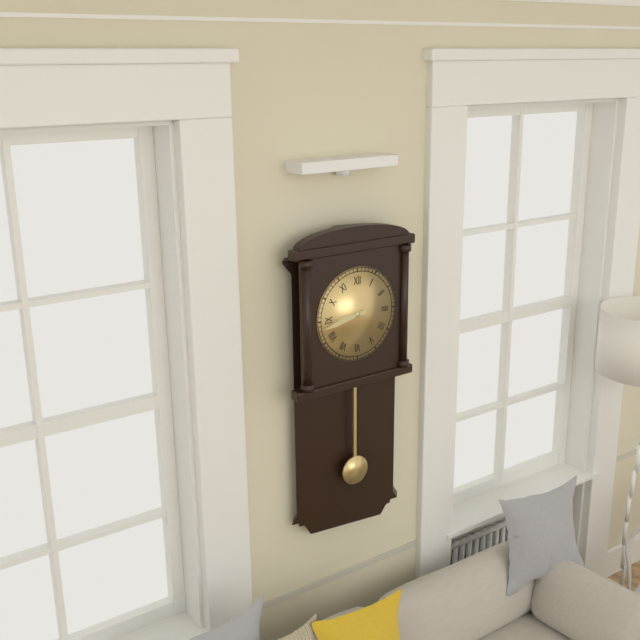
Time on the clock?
8:43
